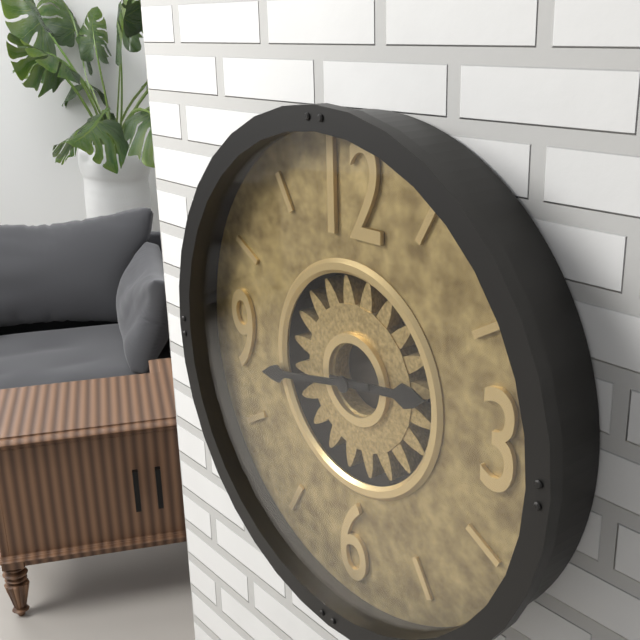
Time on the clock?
2:43
